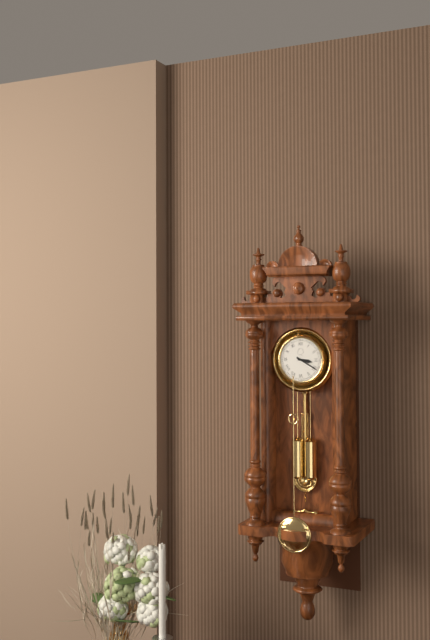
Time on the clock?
3:20
